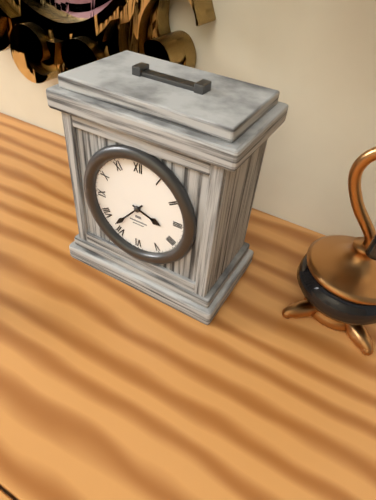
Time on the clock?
3:37
